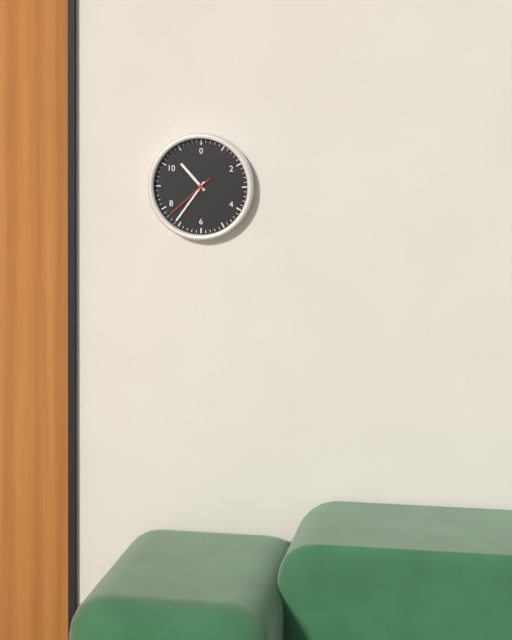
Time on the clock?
10:36:38
